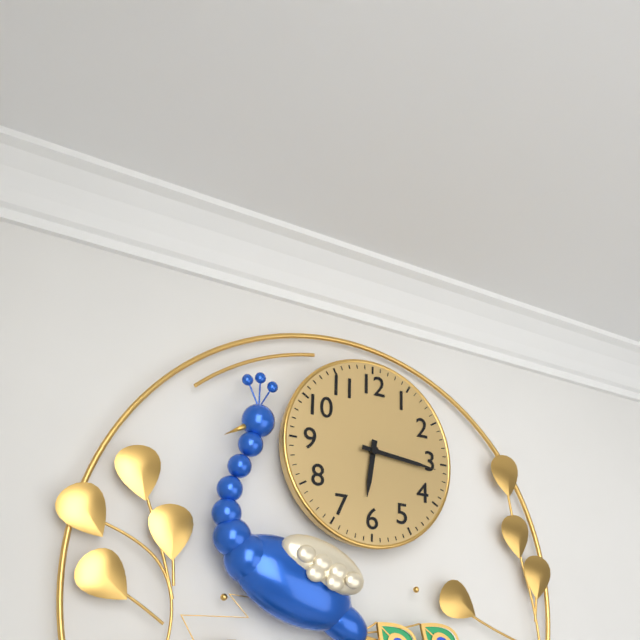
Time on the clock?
6:16
